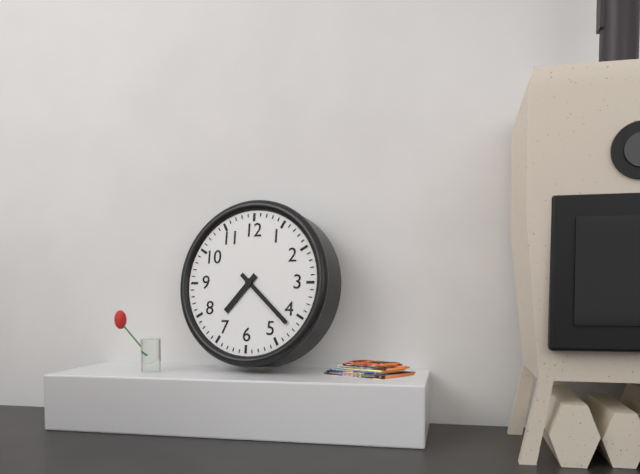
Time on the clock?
7:22
